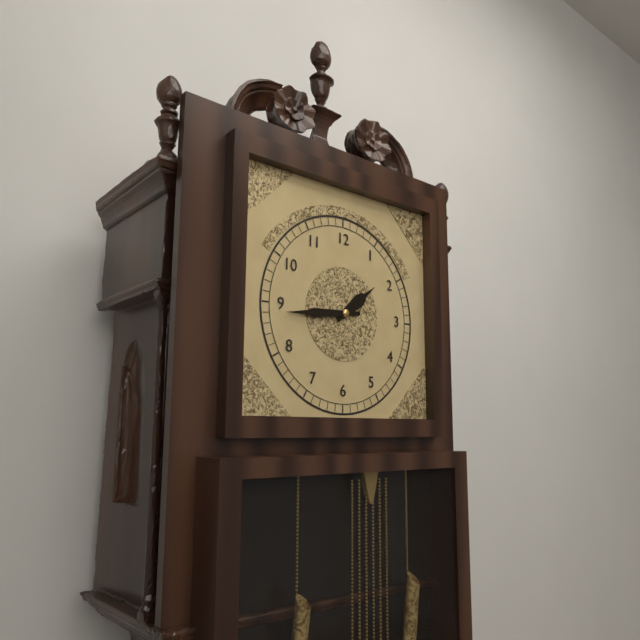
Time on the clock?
1:44
